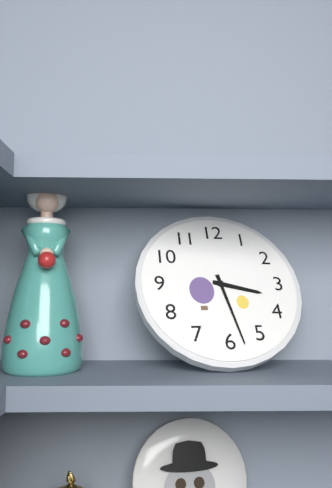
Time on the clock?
3:28
